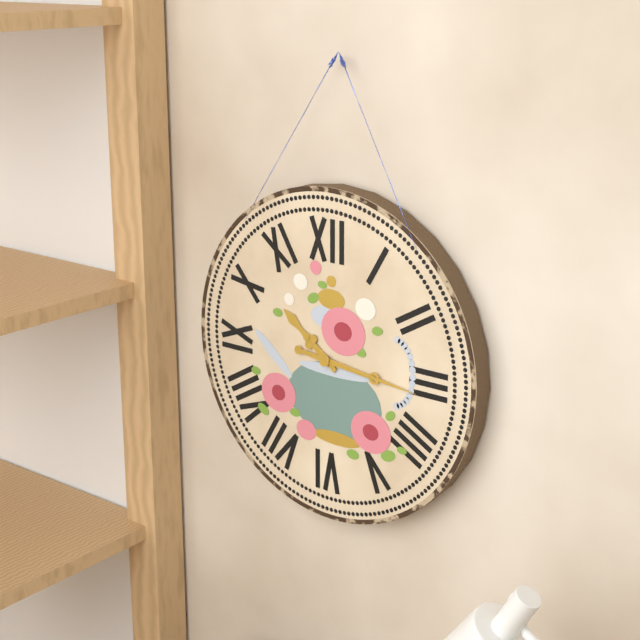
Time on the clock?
10:16
